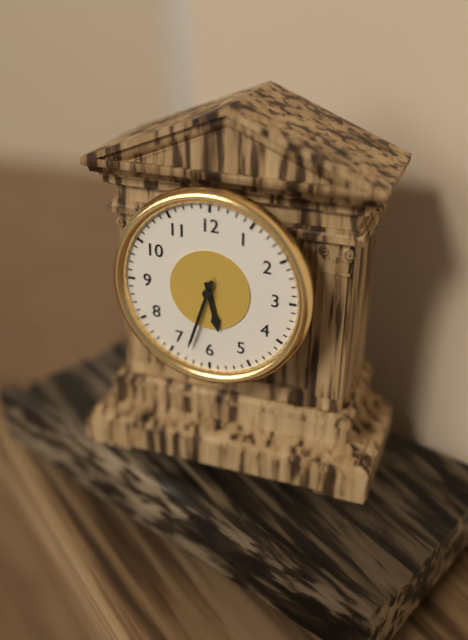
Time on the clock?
5:33
